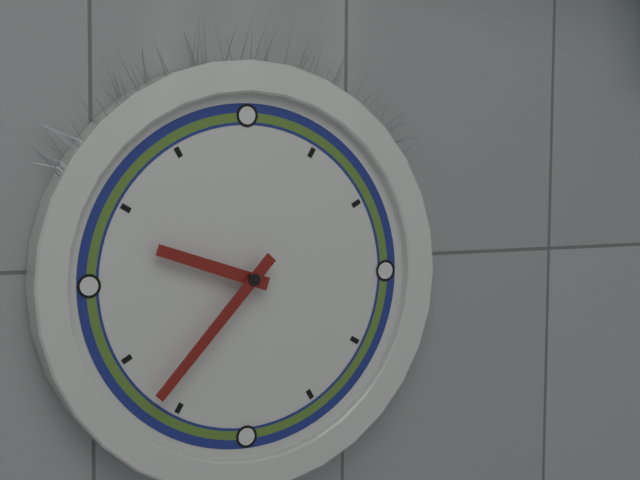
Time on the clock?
9:37
